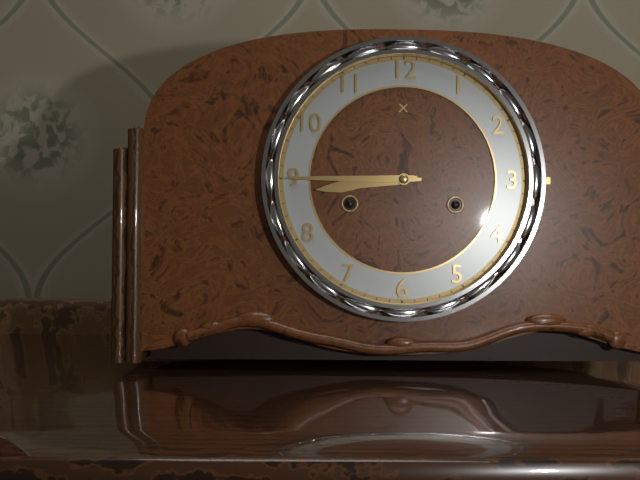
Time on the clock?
8:45
